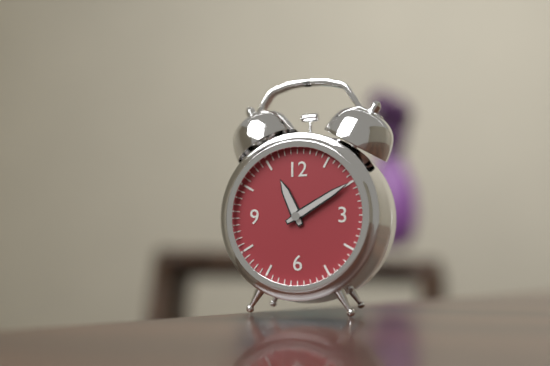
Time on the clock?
11:10
